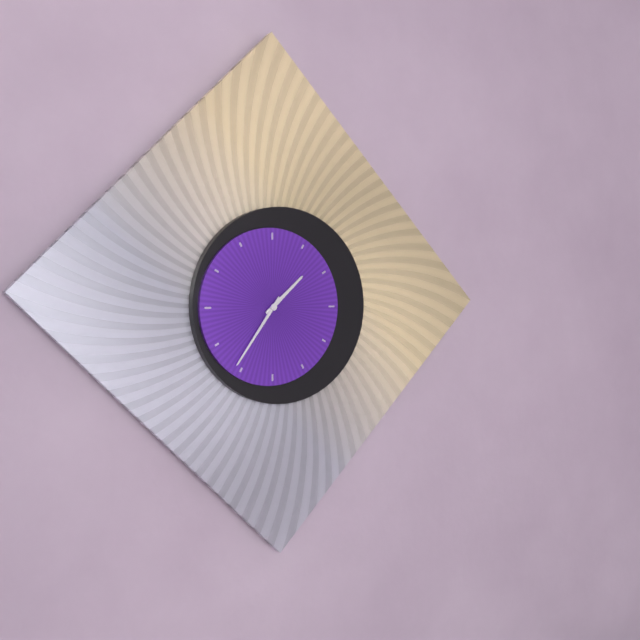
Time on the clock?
1:36
